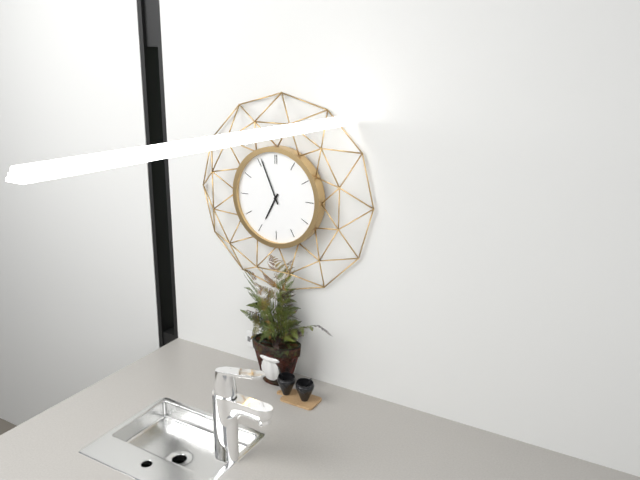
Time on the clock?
6:56
